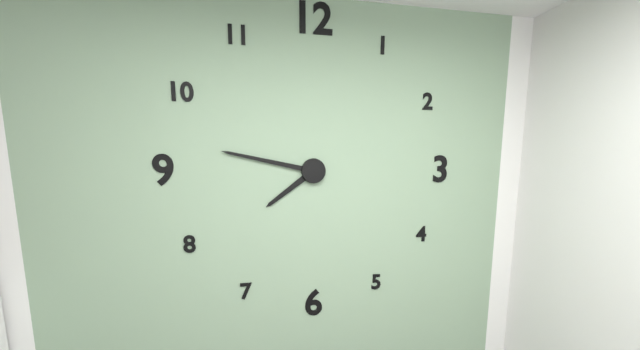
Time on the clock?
7:47
